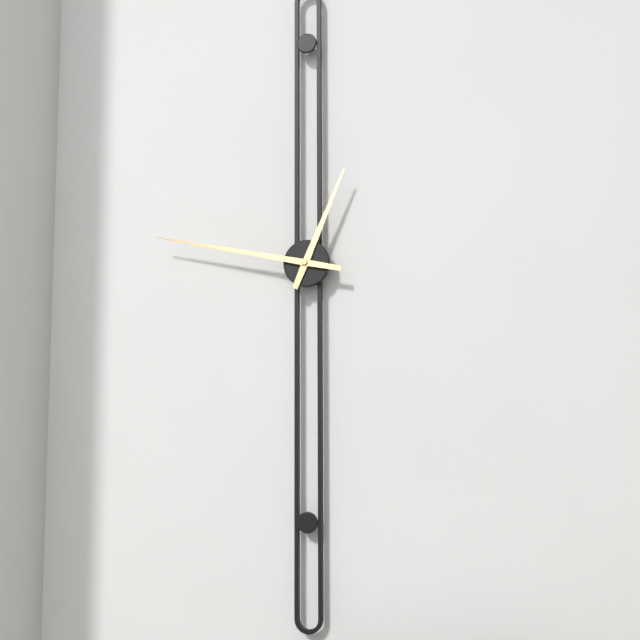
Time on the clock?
12:47
